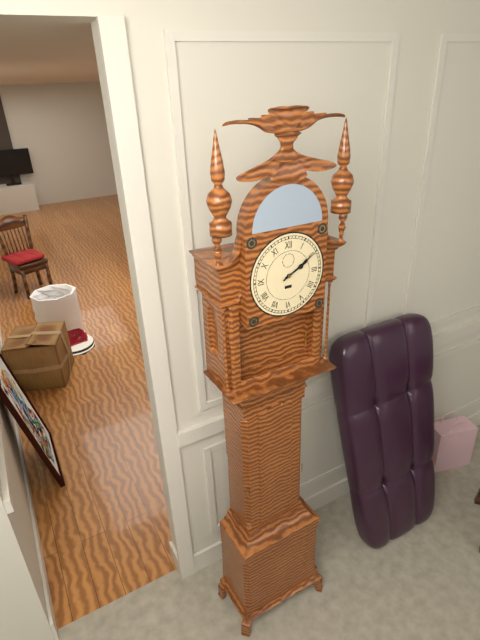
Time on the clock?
2:10
